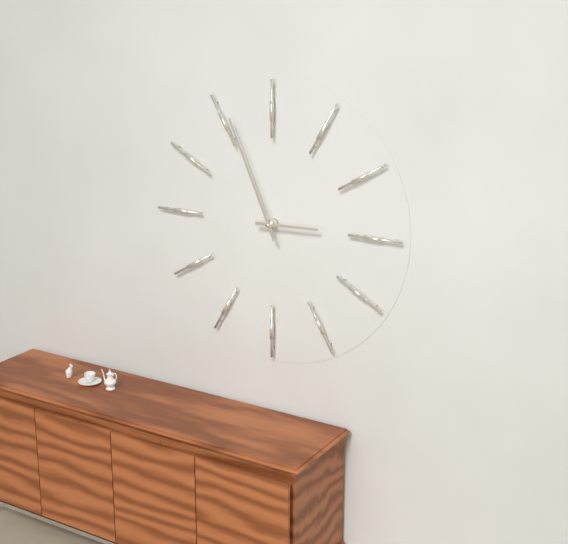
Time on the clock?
2:56
